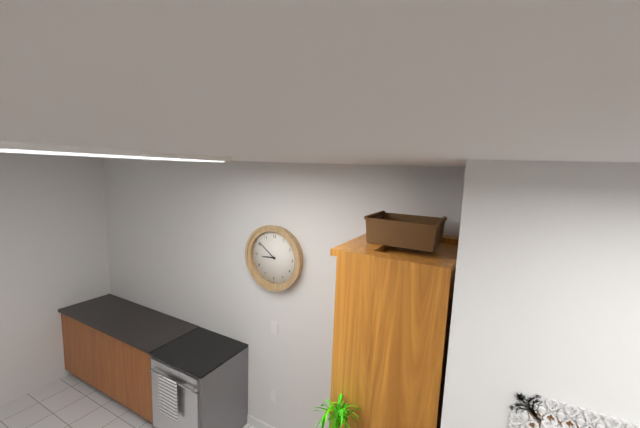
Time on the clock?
8:51
